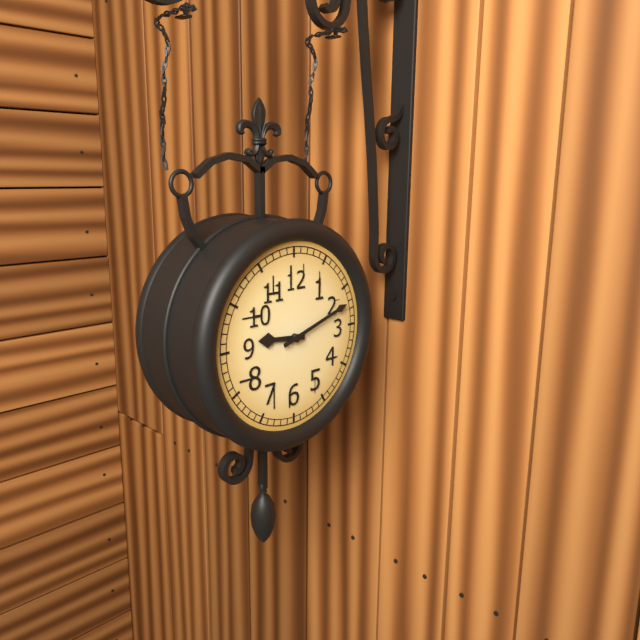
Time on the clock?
9:12
